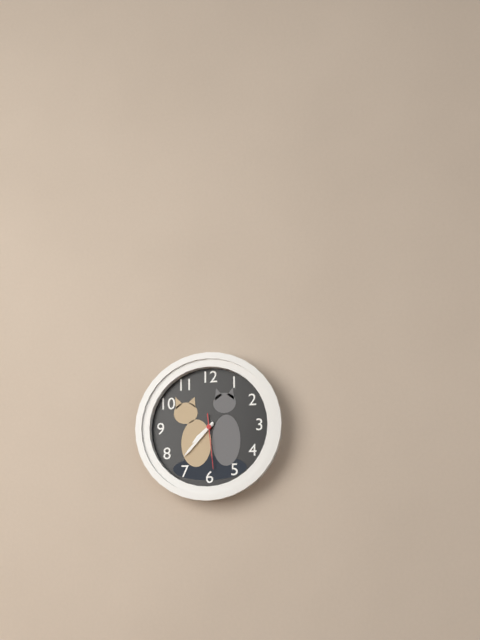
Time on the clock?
7:37:29
